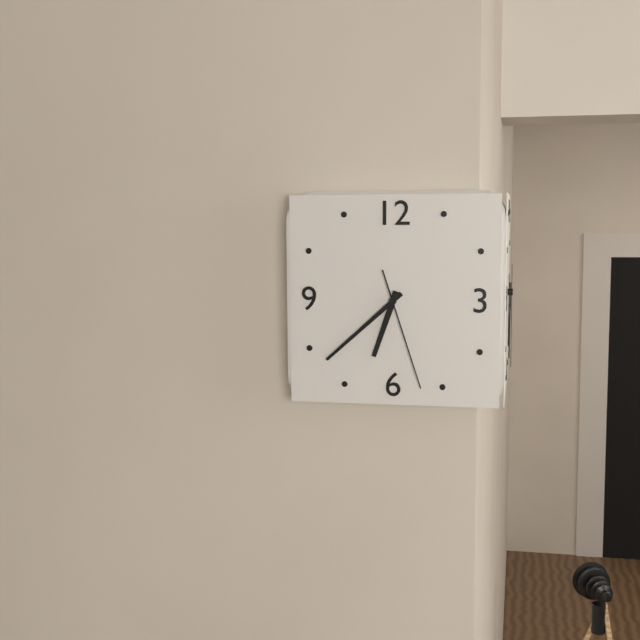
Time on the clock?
6:38:27
